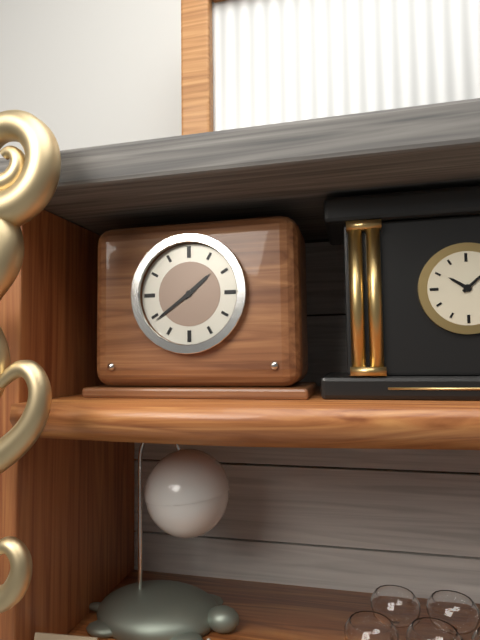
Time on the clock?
1:39
